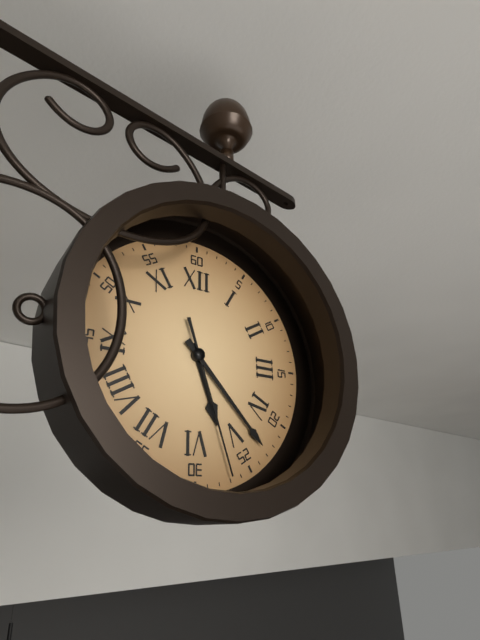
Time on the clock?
5:23:27
